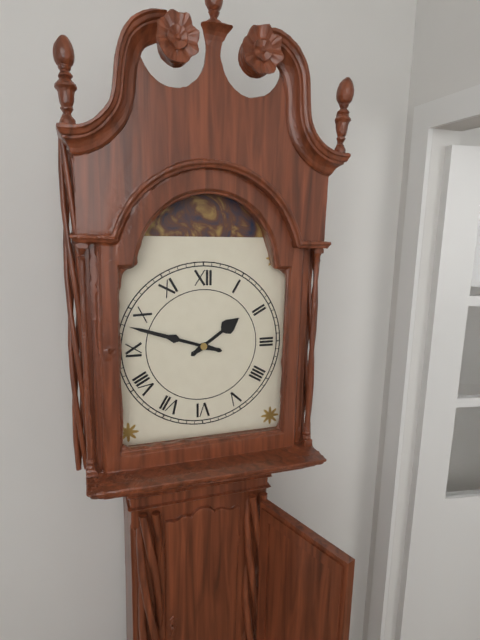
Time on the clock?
1:48
